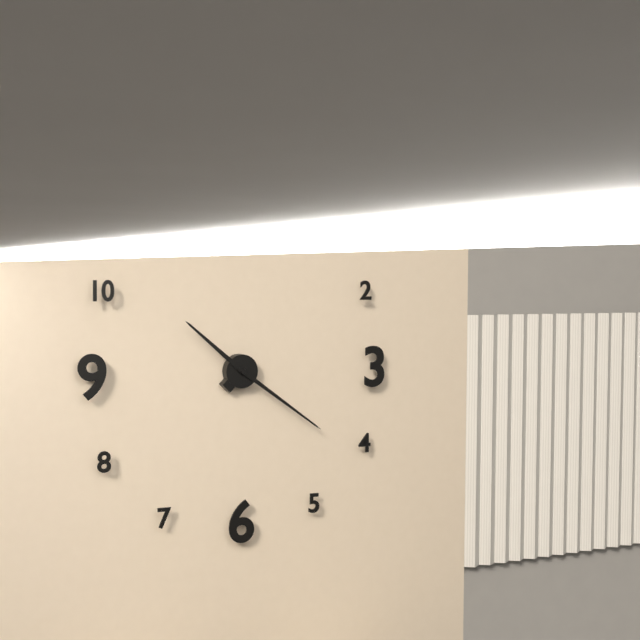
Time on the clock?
10:21
